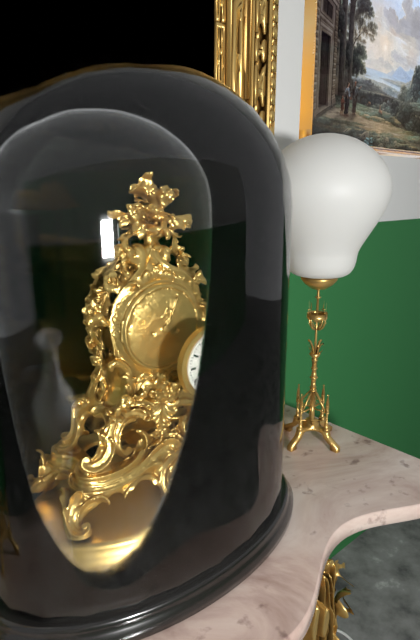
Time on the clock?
10:07
